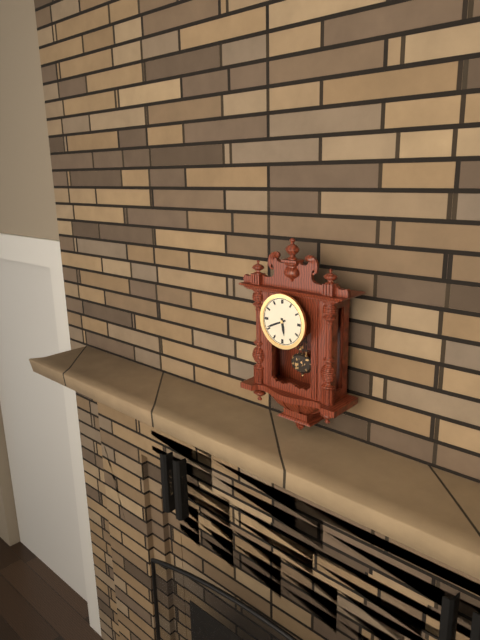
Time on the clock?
5:41
